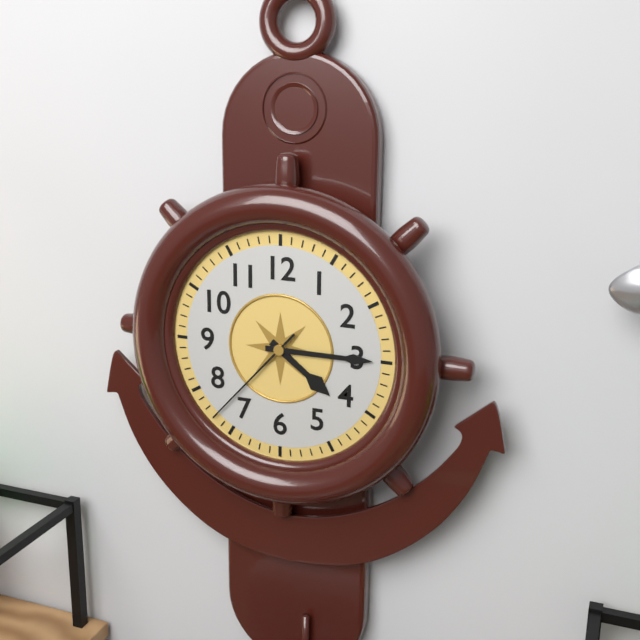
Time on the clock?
4:15:37
